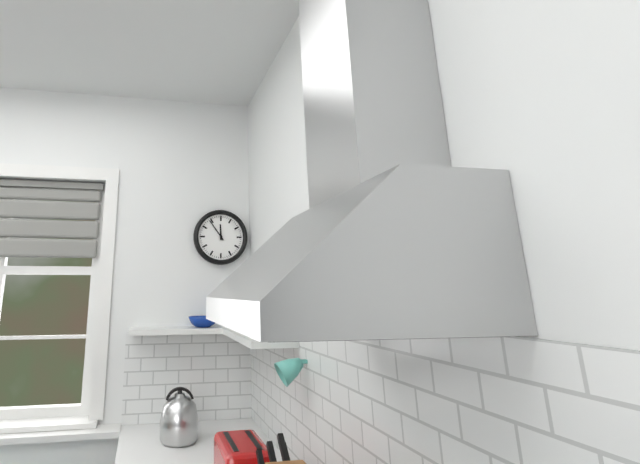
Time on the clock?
11:54
